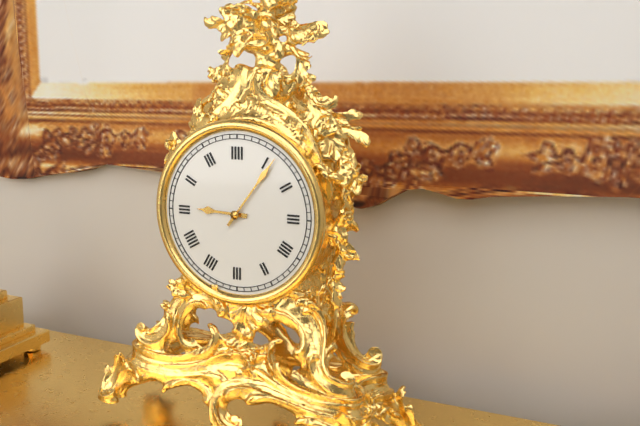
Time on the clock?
9:06
